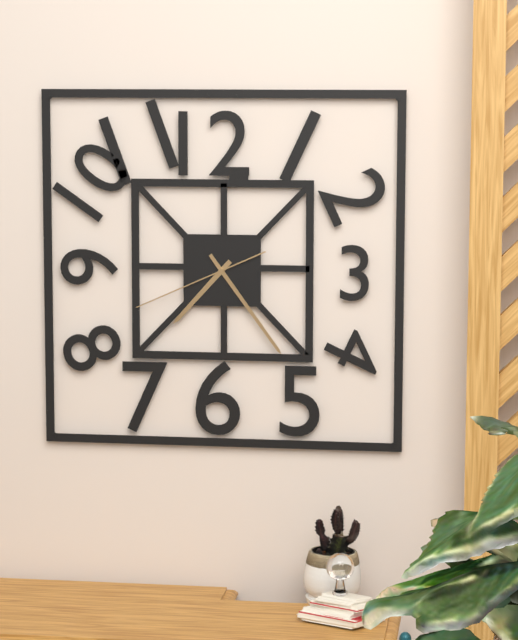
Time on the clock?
7:24:41
